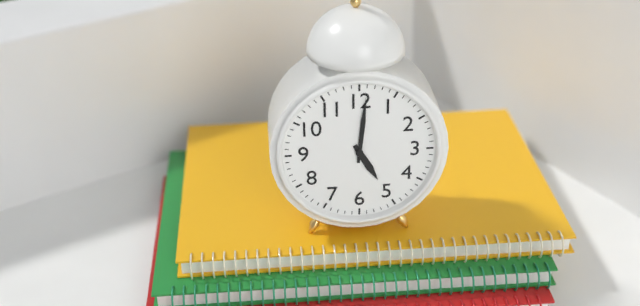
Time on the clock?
5:01
